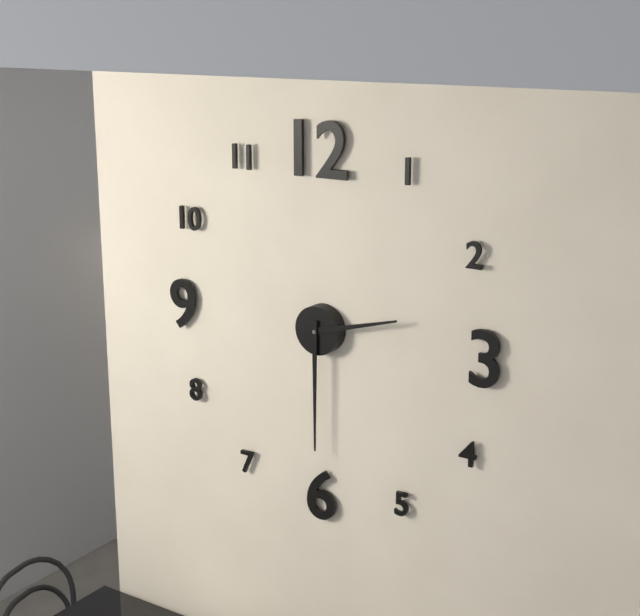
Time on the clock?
2:30
